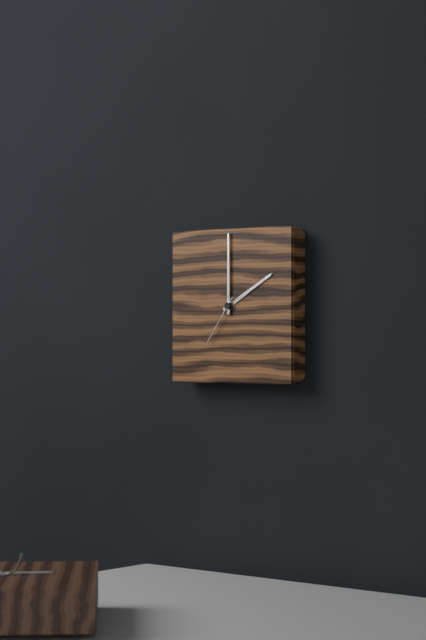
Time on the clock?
2:00:36
